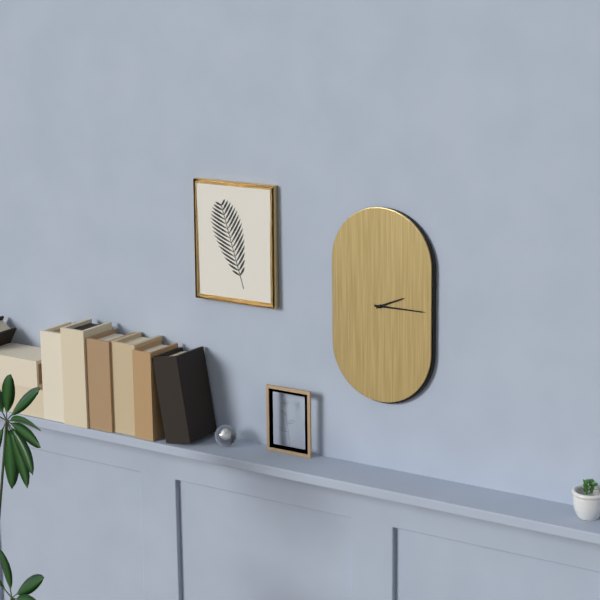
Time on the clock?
2:15
